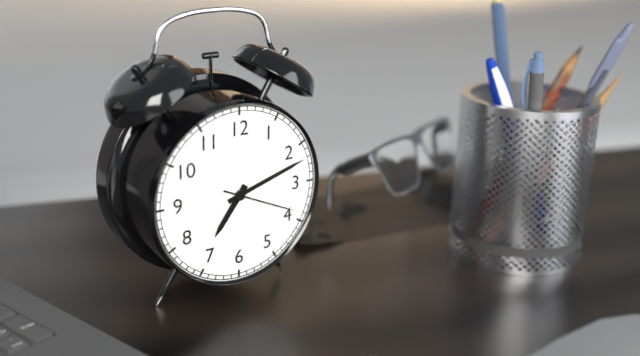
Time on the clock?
7:12:19
